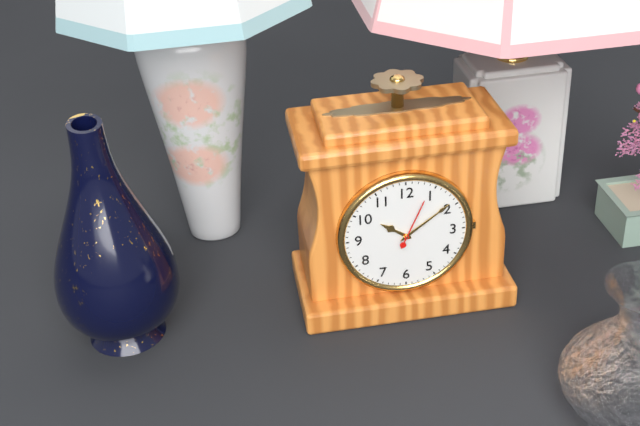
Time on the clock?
10:09
